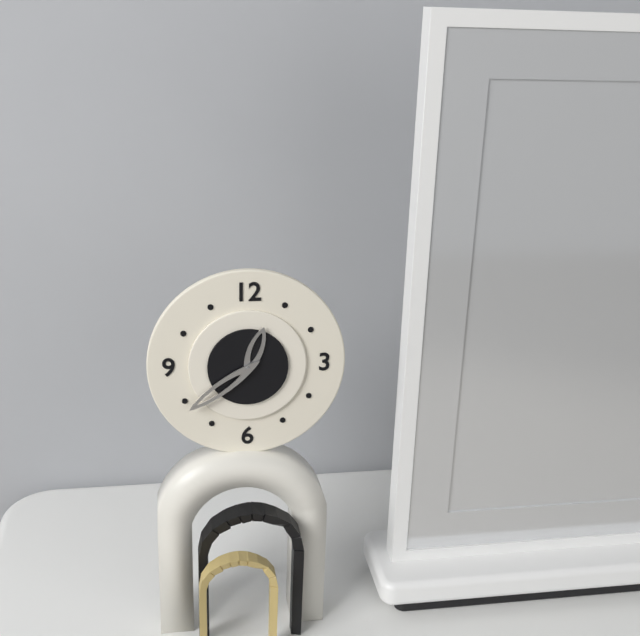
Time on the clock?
12:39
